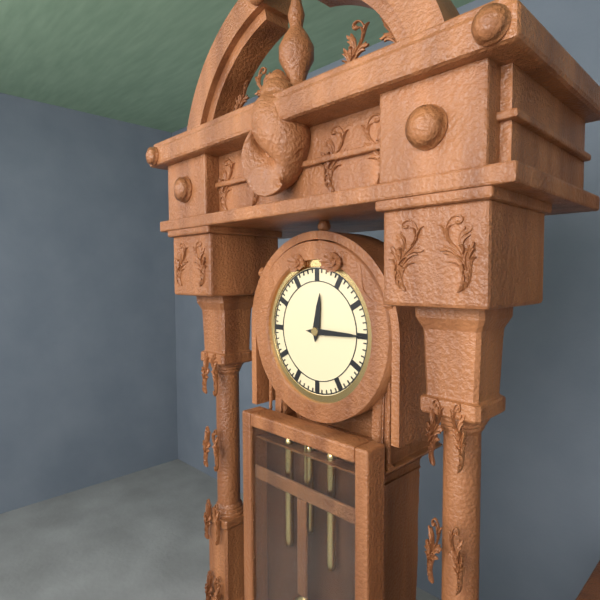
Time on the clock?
12:15
